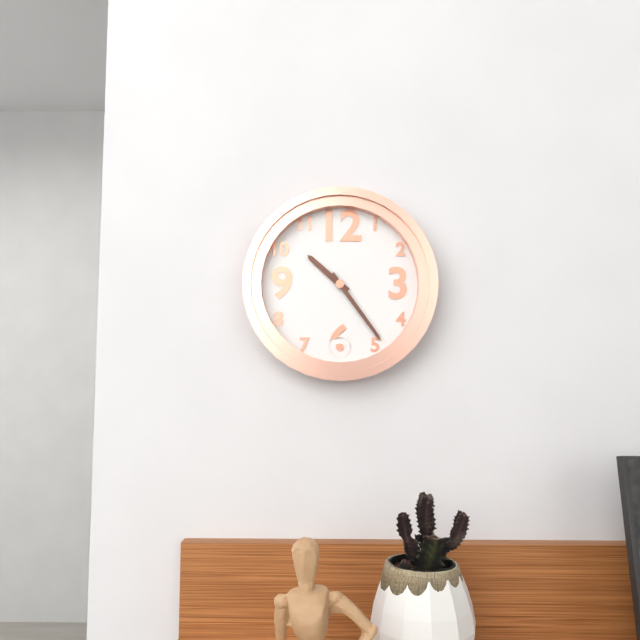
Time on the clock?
10:24
